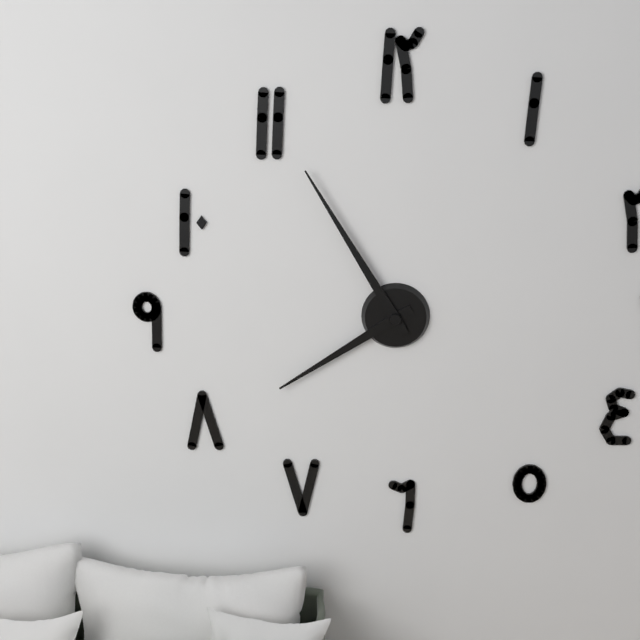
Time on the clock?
7:55
